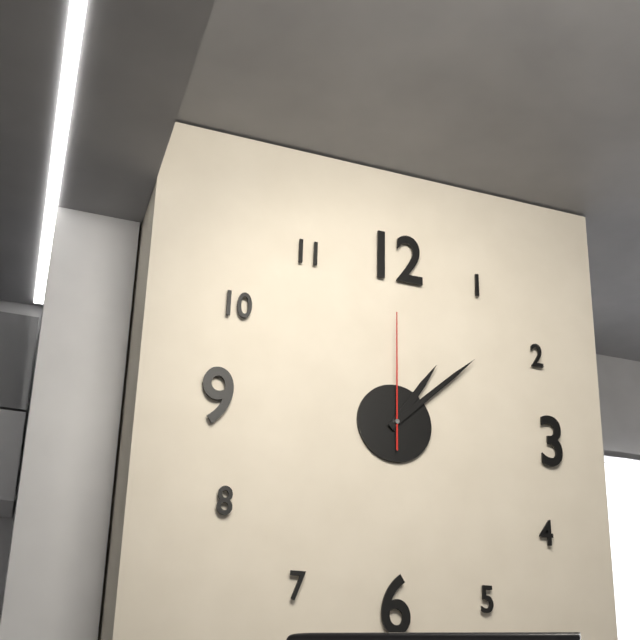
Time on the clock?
1:08:00
